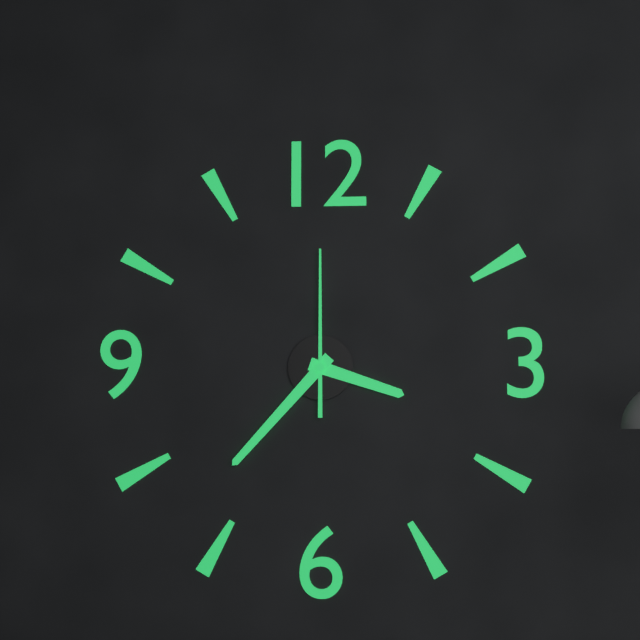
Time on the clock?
3:37:00
